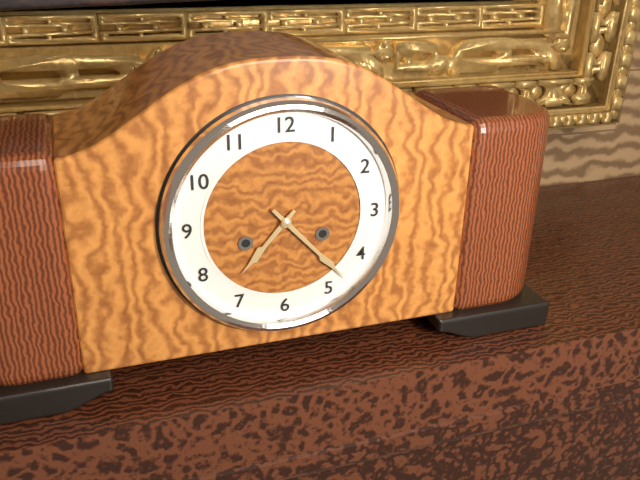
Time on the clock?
7:23
